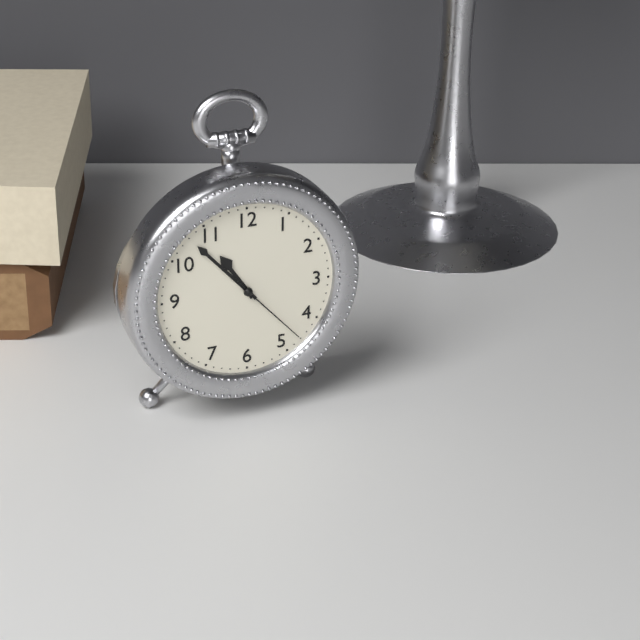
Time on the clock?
10:53:23
